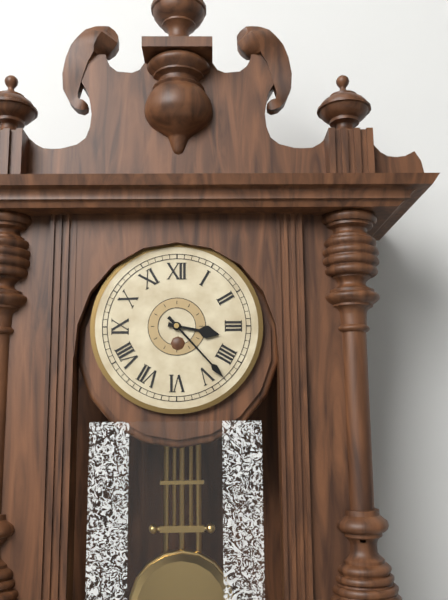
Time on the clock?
3:23
